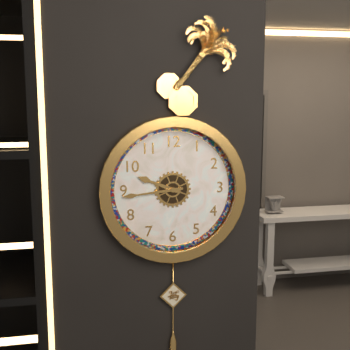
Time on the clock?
9:44
